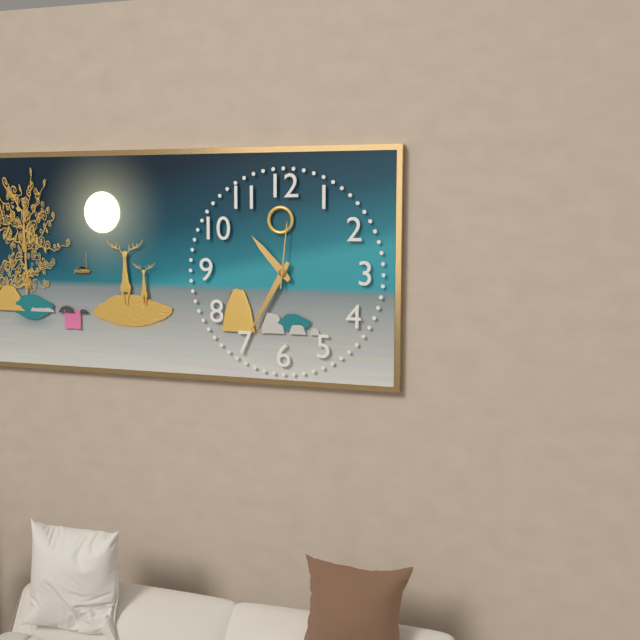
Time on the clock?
10:35:01
